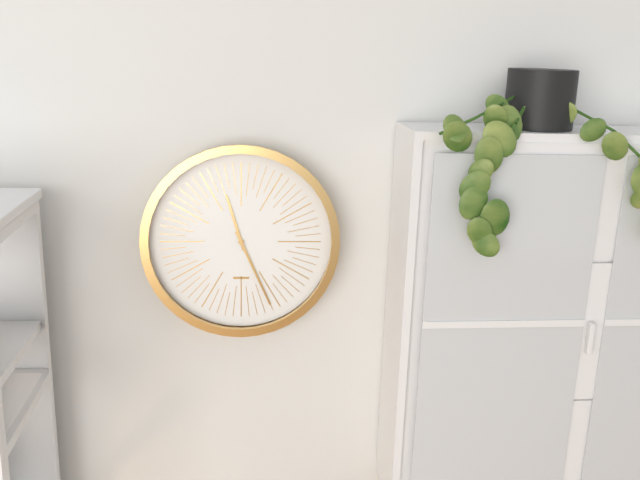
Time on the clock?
11:26
